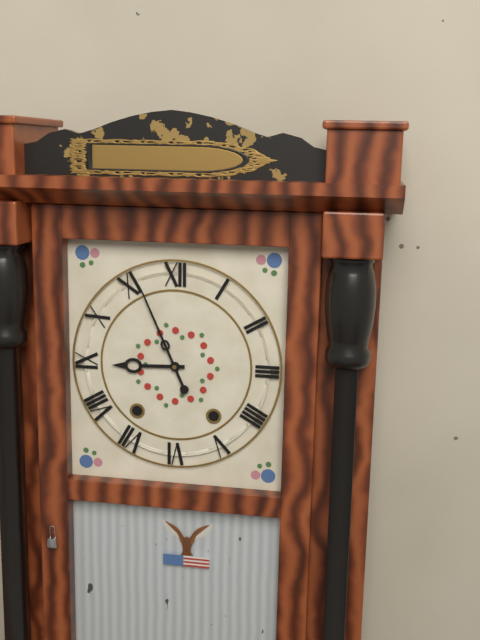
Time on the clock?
8:56
